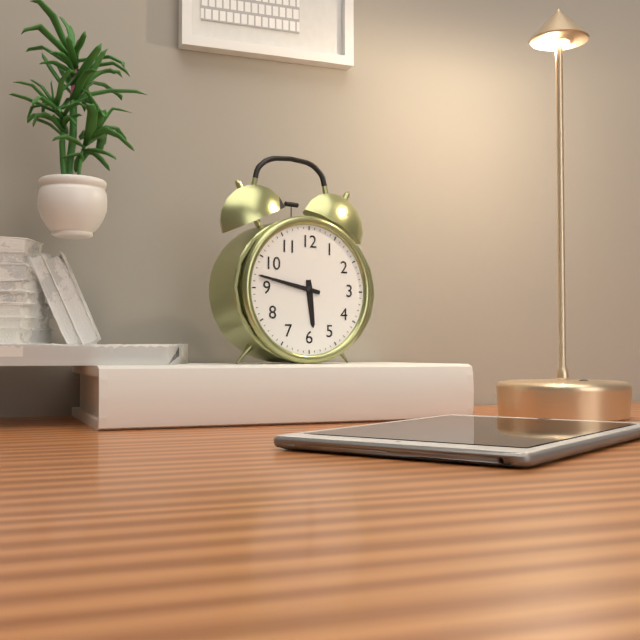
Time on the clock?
5:47
